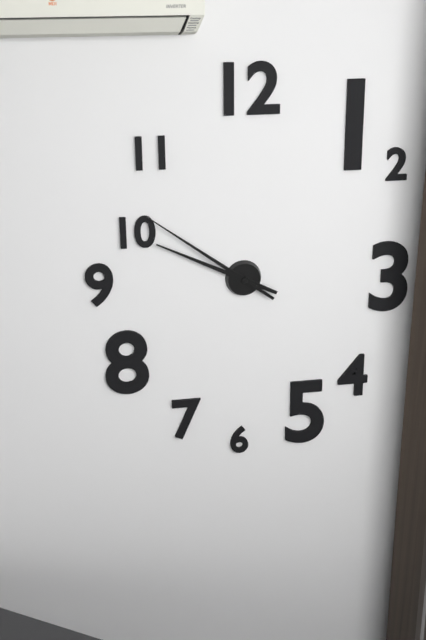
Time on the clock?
9:51
